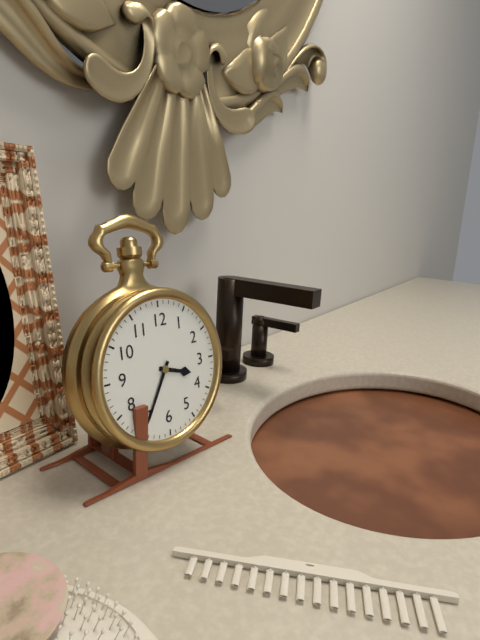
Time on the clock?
3:35
